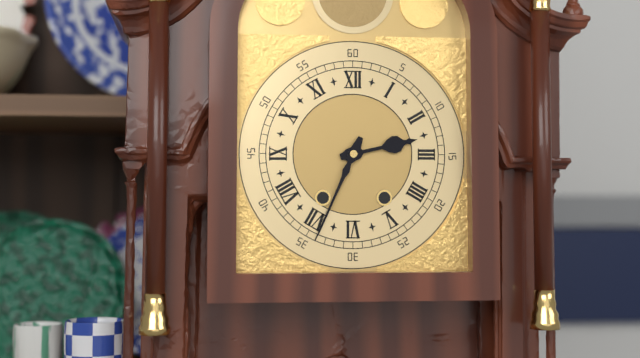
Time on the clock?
2:34
